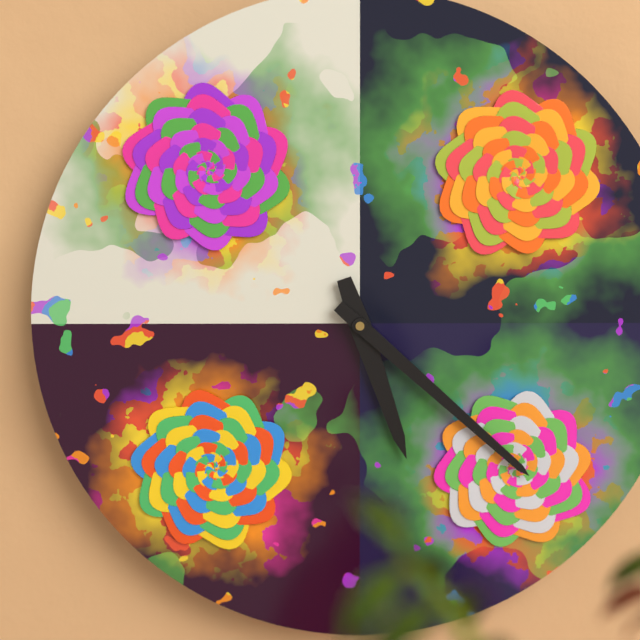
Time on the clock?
5:22
